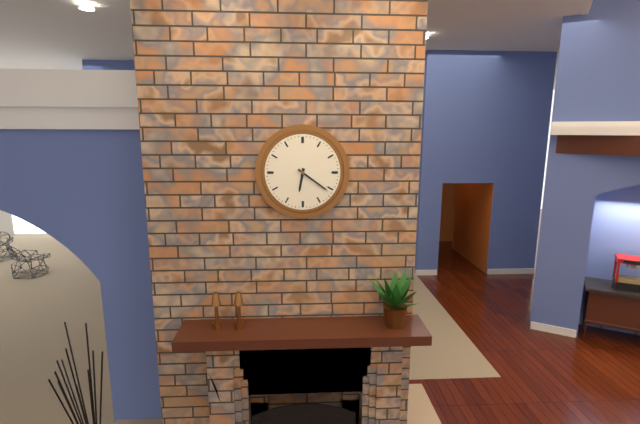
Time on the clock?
6:21
